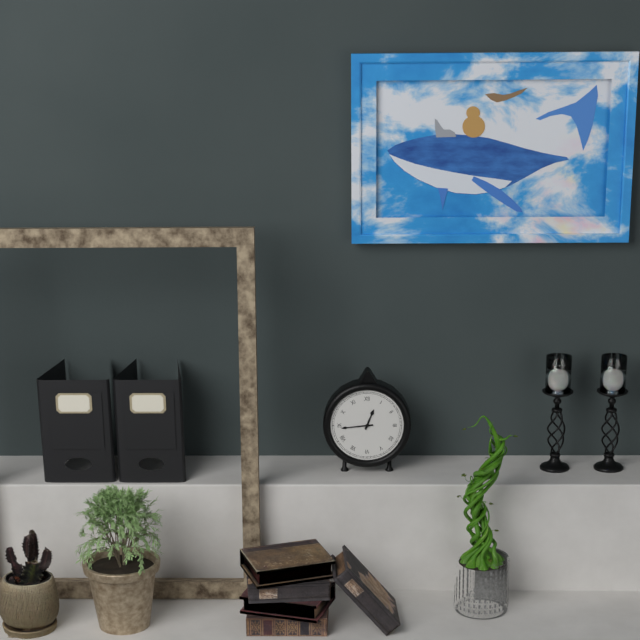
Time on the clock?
12:44
